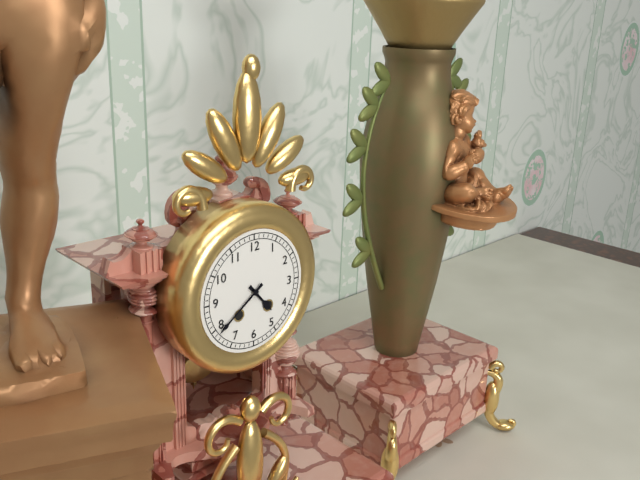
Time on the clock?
4:39
